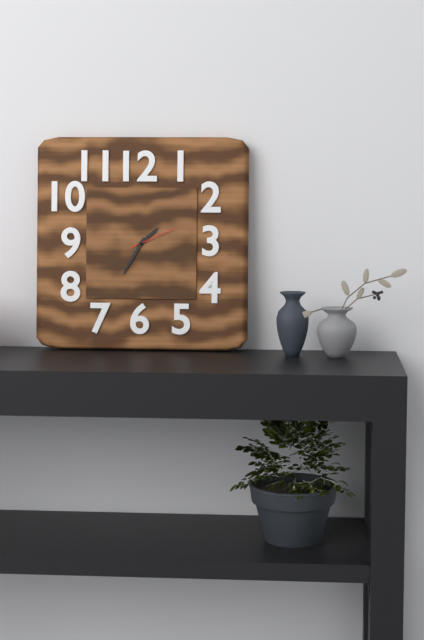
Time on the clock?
1:35
